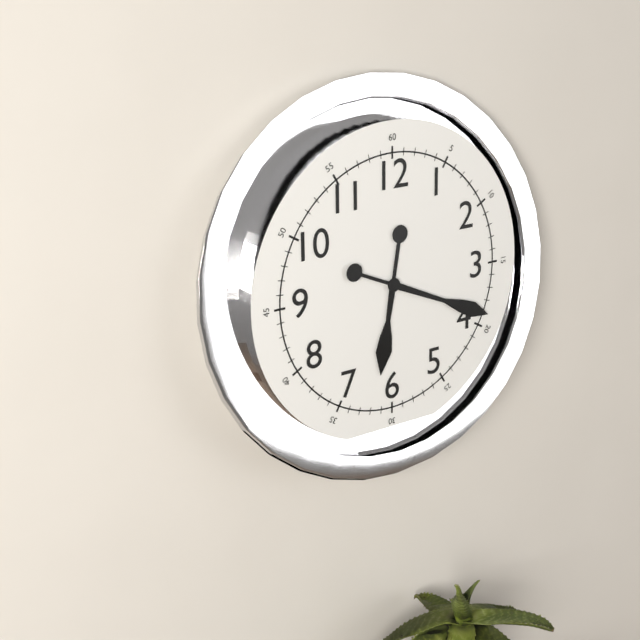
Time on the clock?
6:19
